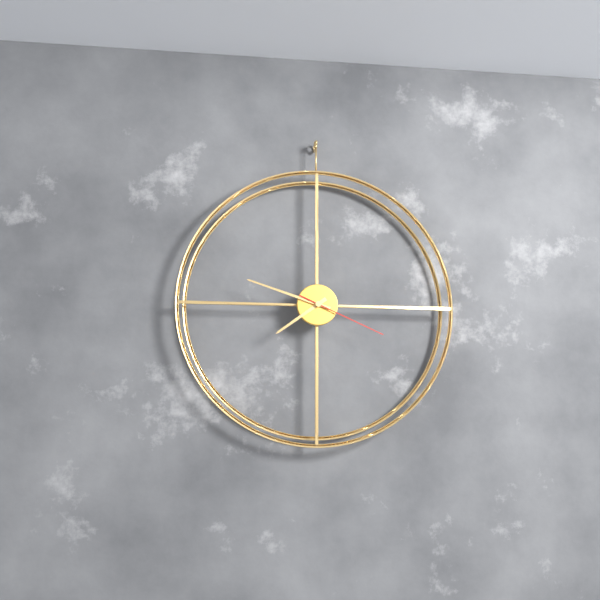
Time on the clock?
7:48:19
